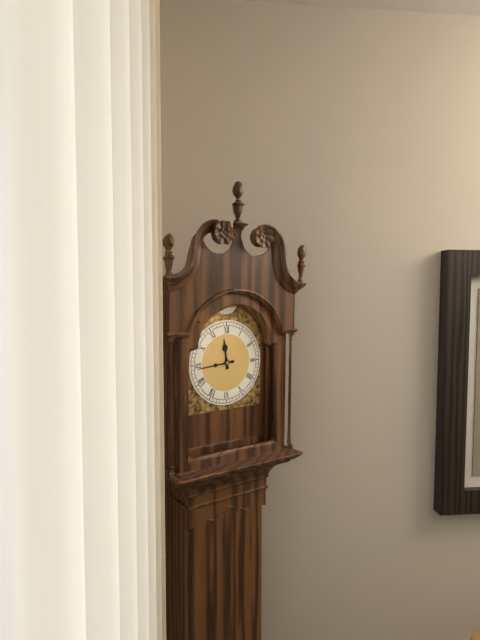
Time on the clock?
11:44
